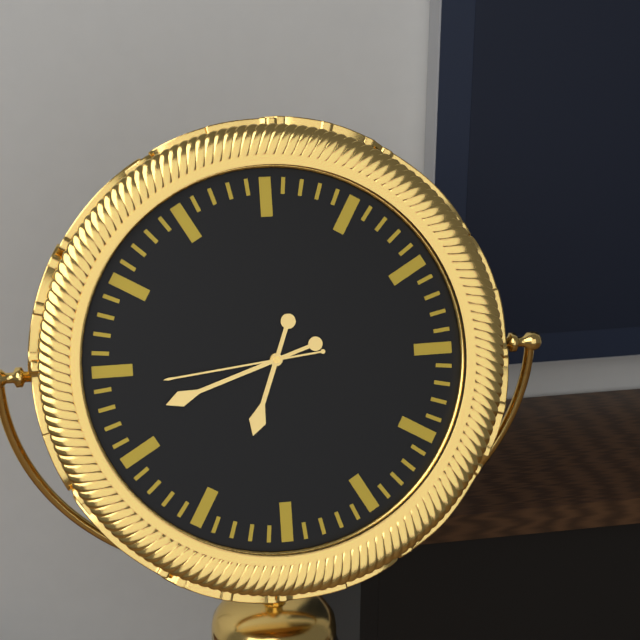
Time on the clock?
6:42:44
